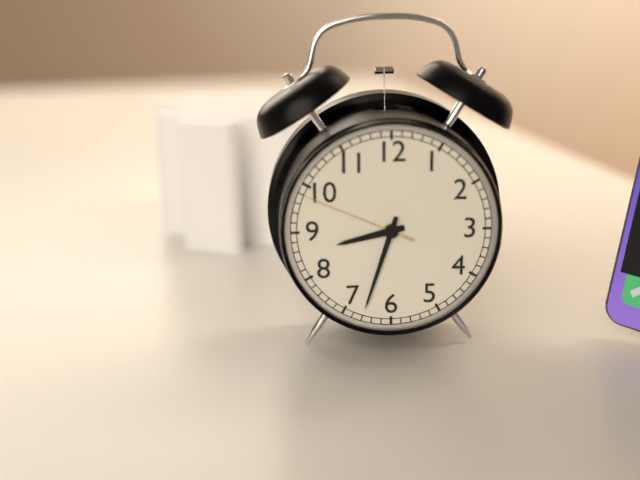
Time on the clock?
8:33:49
